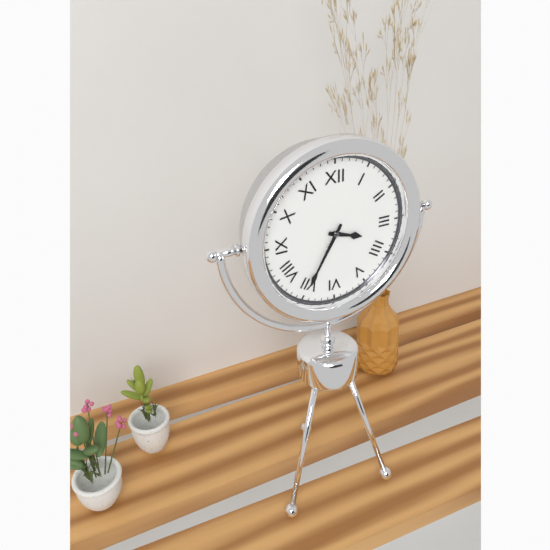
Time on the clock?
3:35
